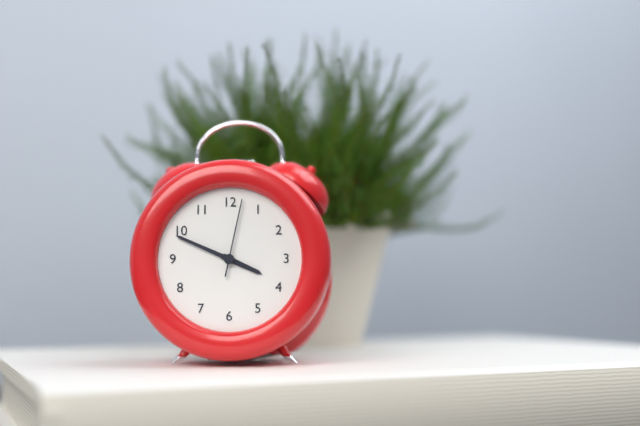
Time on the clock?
3:49:02
